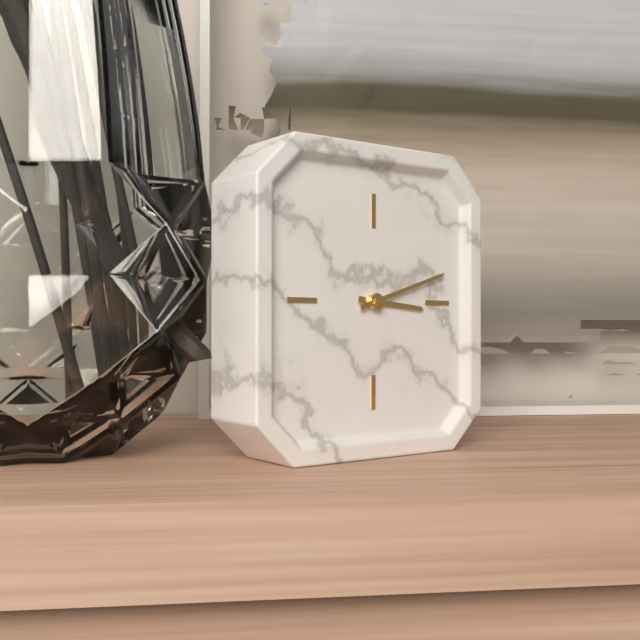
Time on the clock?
3:12
